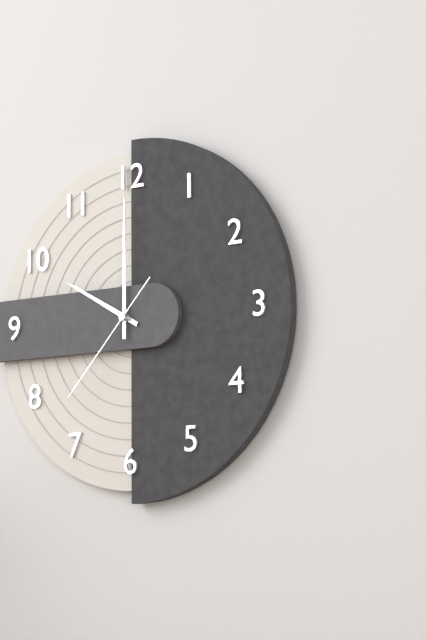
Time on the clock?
10:00:37
